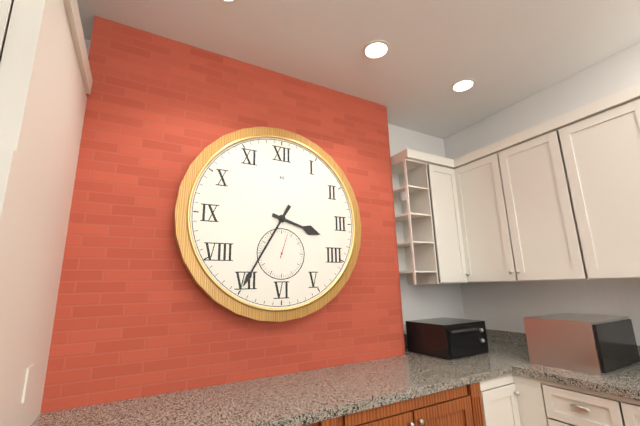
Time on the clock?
3:35
